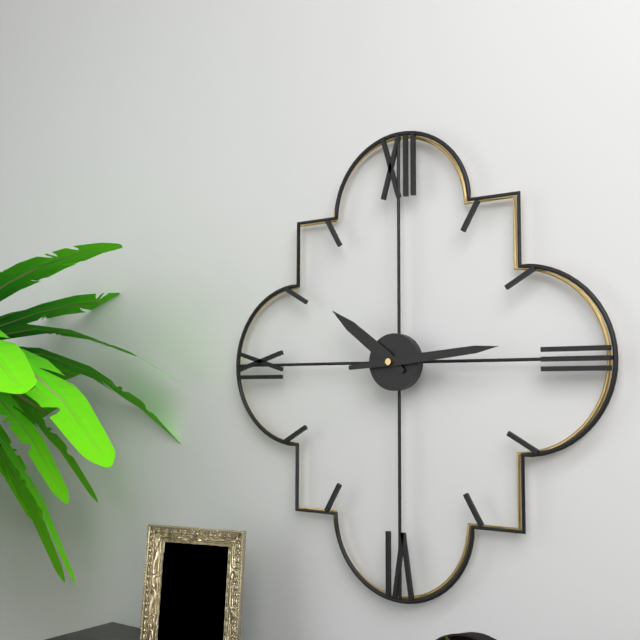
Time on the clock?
10:14
